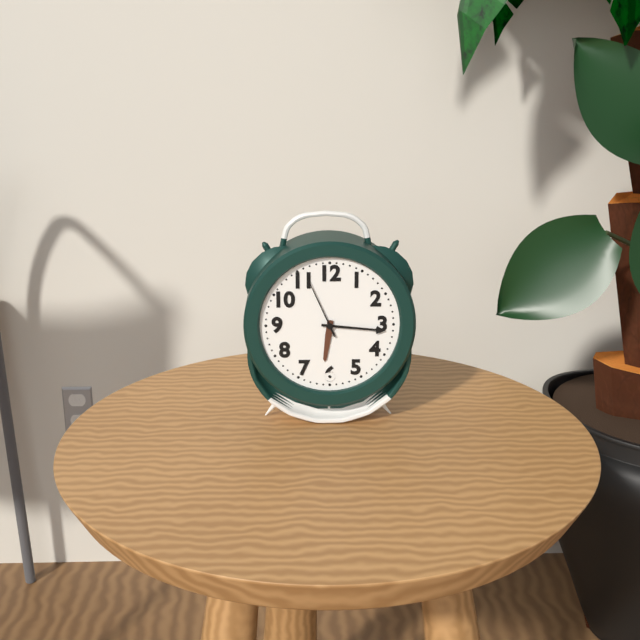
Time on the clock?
6:16:56
